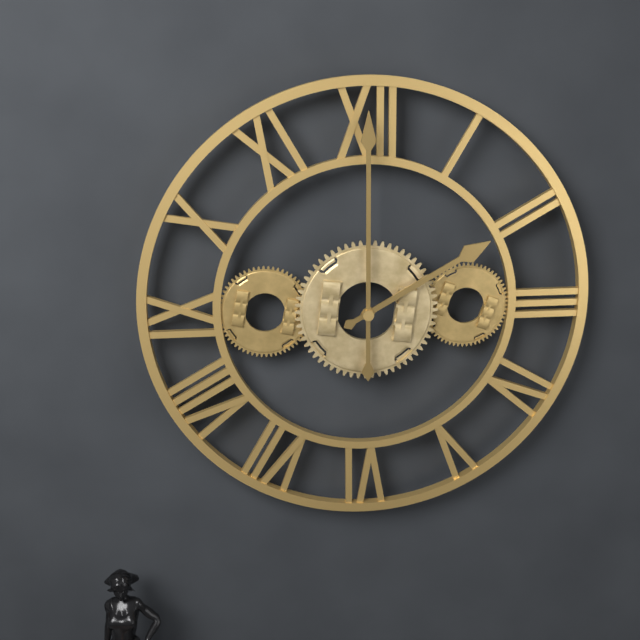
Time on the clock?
2:00
